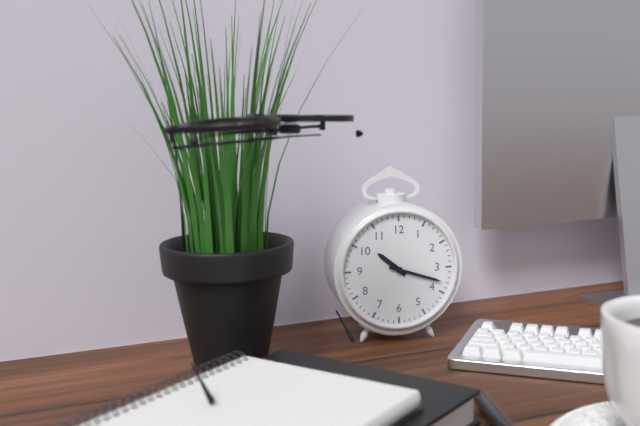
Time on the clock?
10:18
